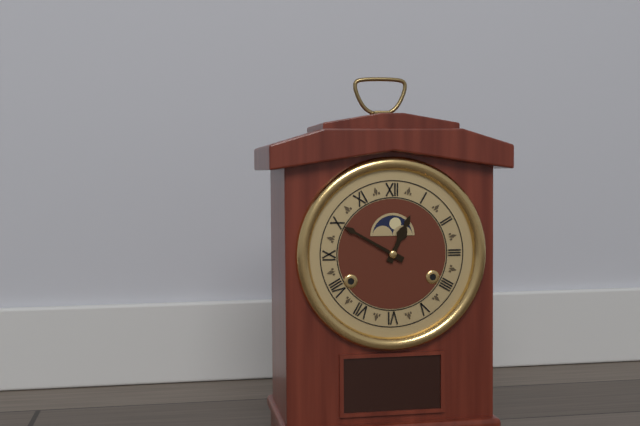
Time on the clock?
12:50
